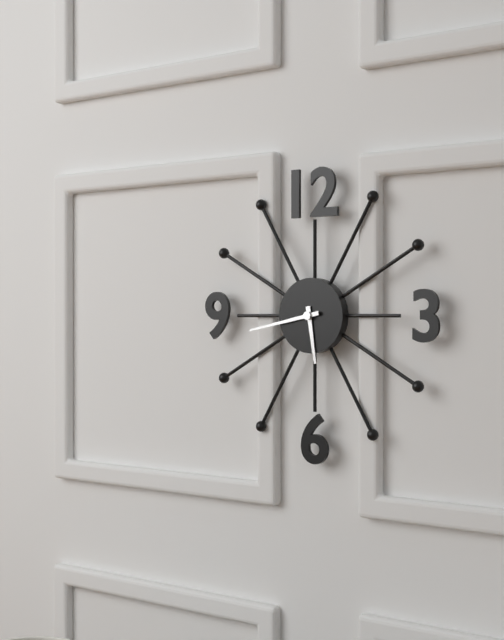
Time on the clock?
5:43
